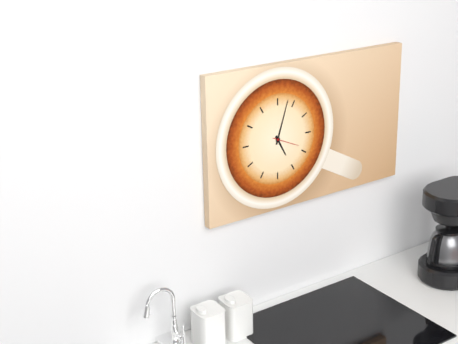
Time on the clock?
5:03
